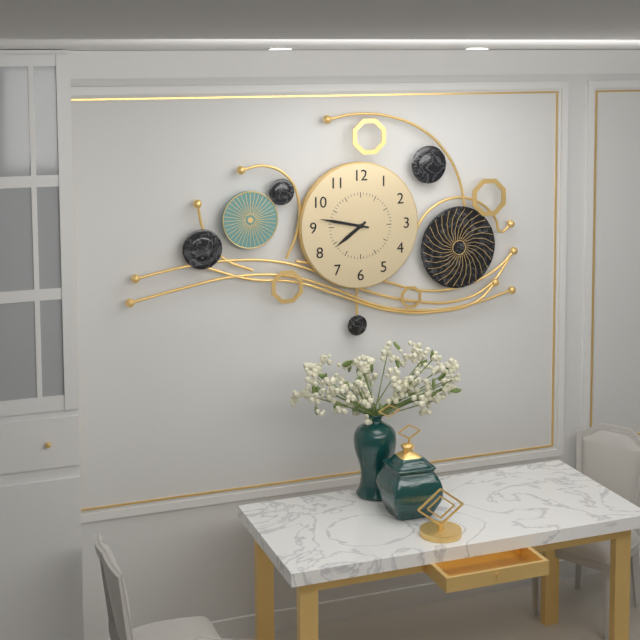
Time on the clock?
7:47
